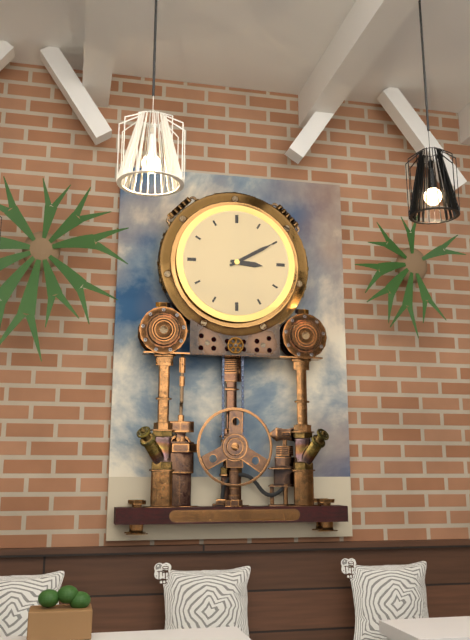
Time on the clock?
3:10
